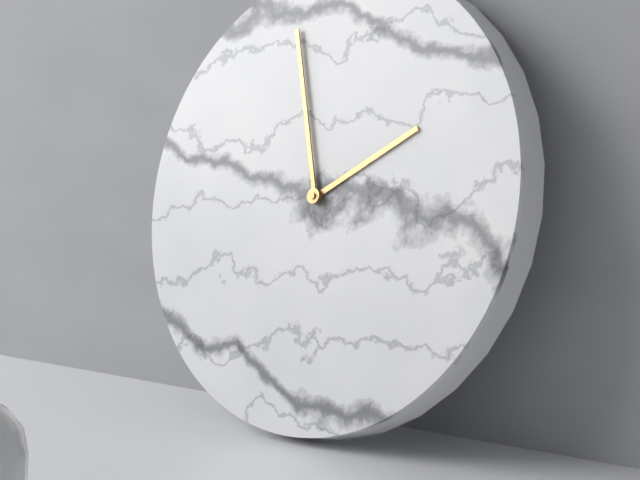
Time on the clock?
1:57
